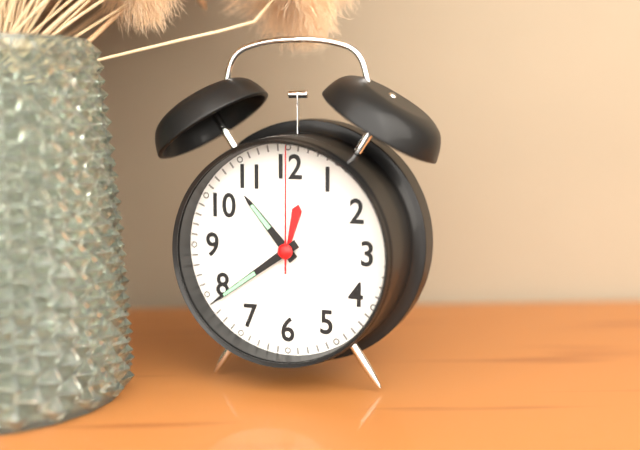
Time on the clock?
10:39:00
